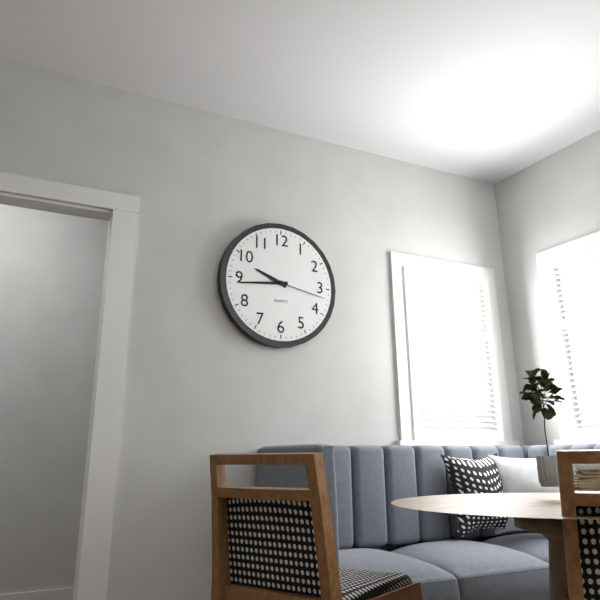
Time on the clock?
9:44:17
